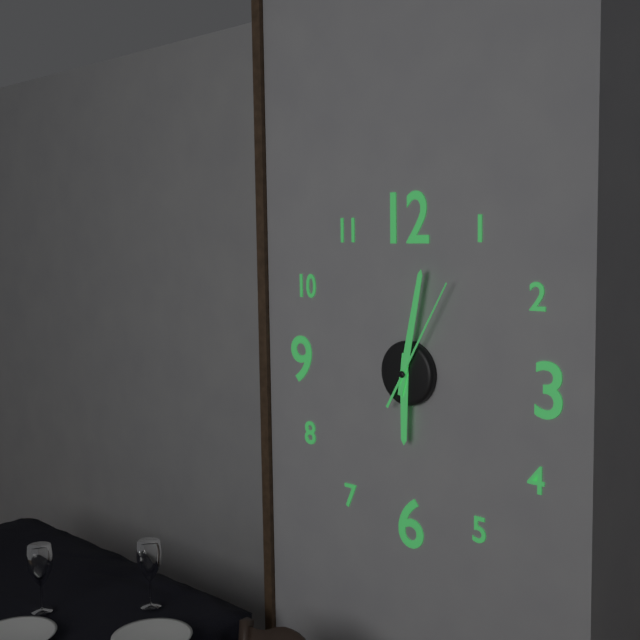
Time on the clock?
6:02:05
